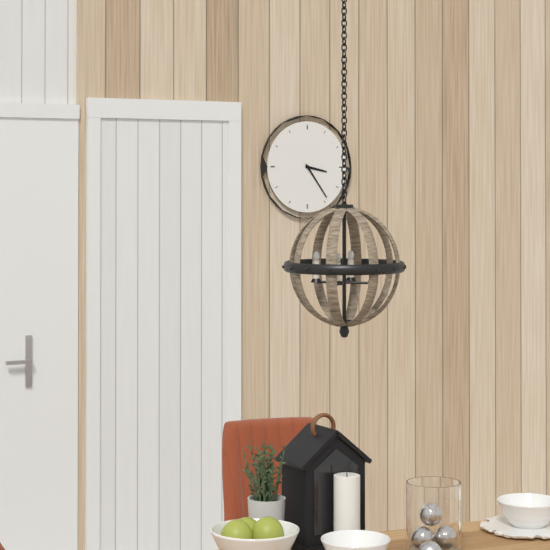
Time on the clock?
3:24
